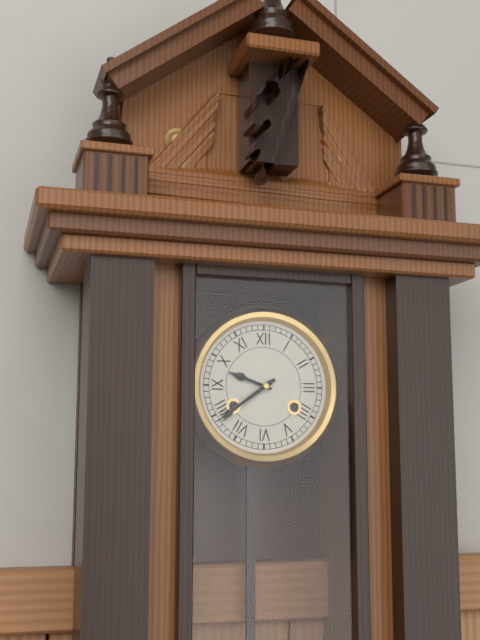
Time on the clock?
9:39
